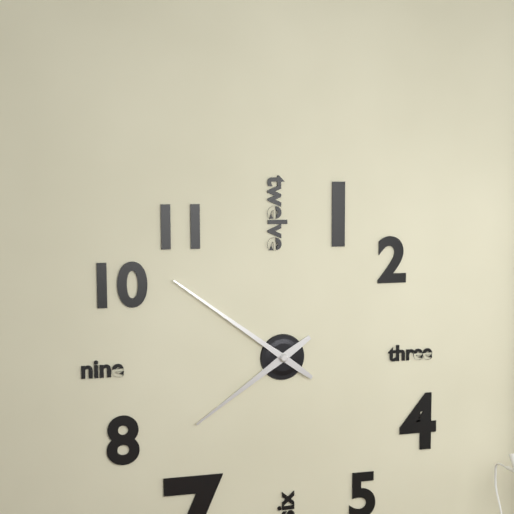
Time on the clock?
7:51
